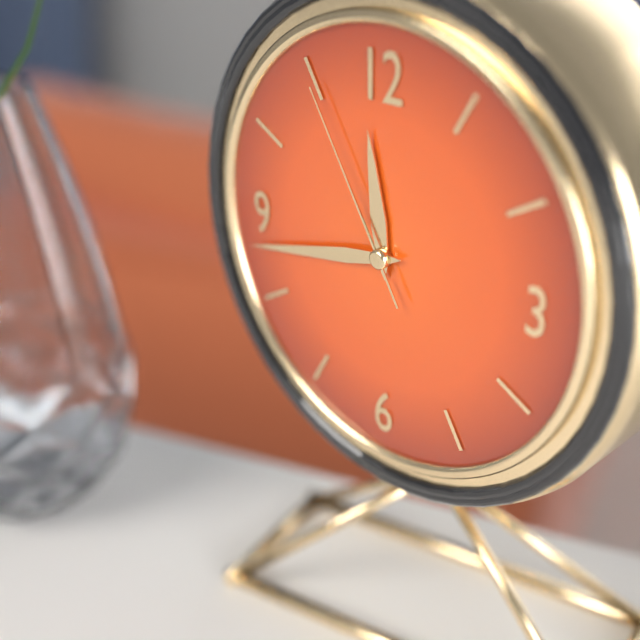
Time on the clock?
11:43:55
